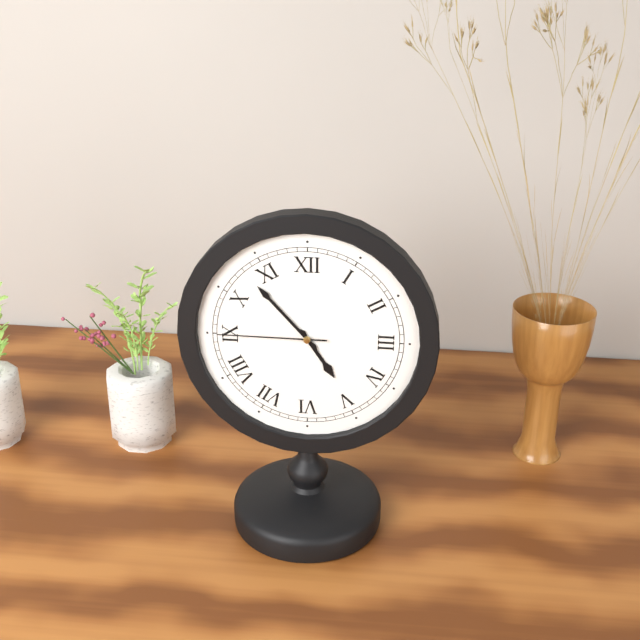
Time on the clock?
4:53:45
